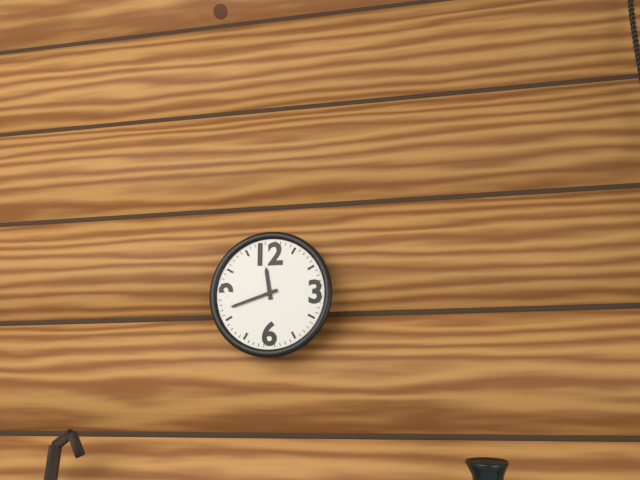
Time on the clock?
11:42
